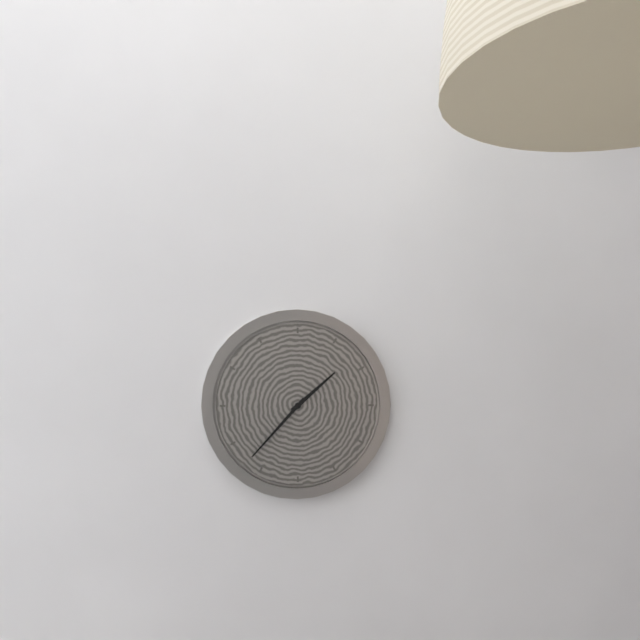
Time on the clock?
1:37
